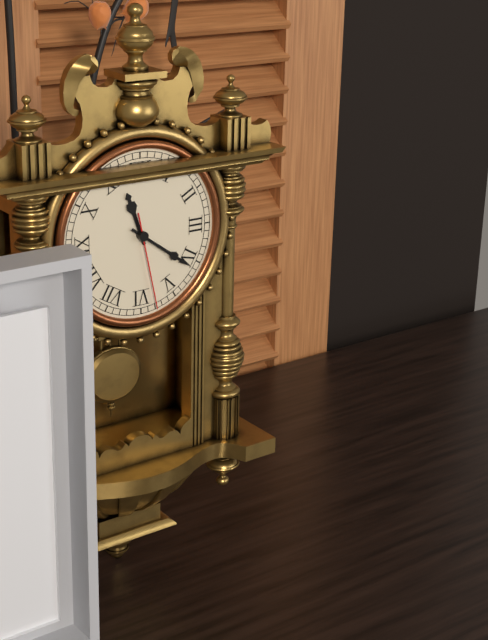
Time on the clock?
11:21:28
